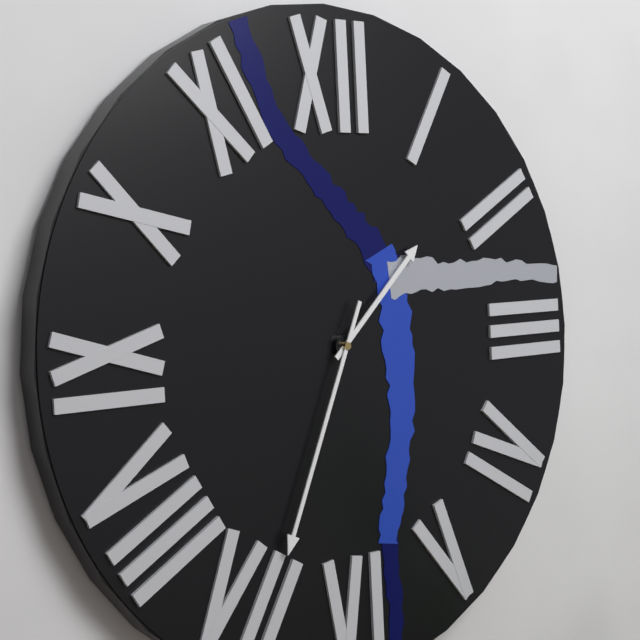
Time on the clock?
1:34
